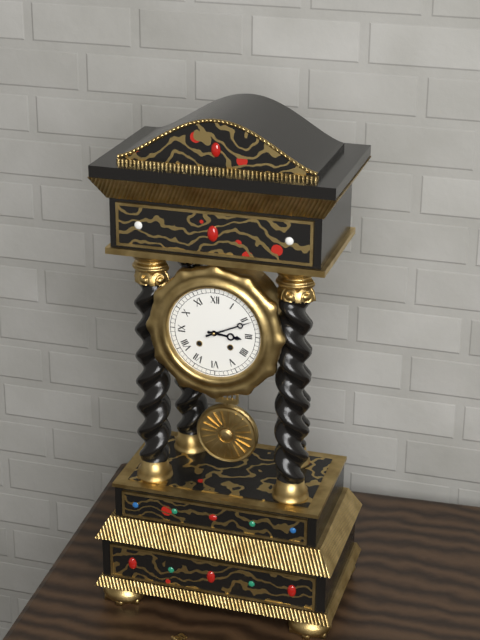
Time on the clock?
3:11
